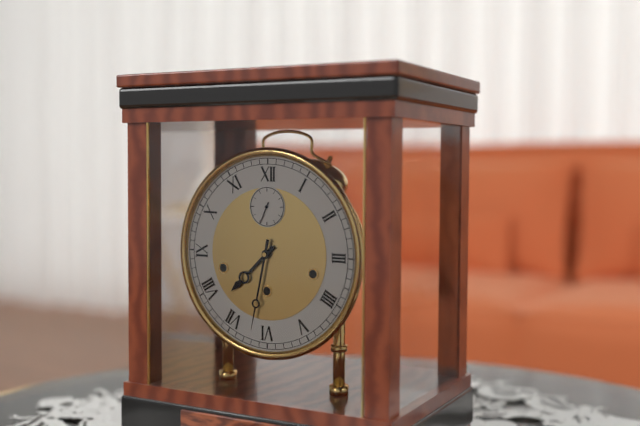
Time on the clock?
7:32
